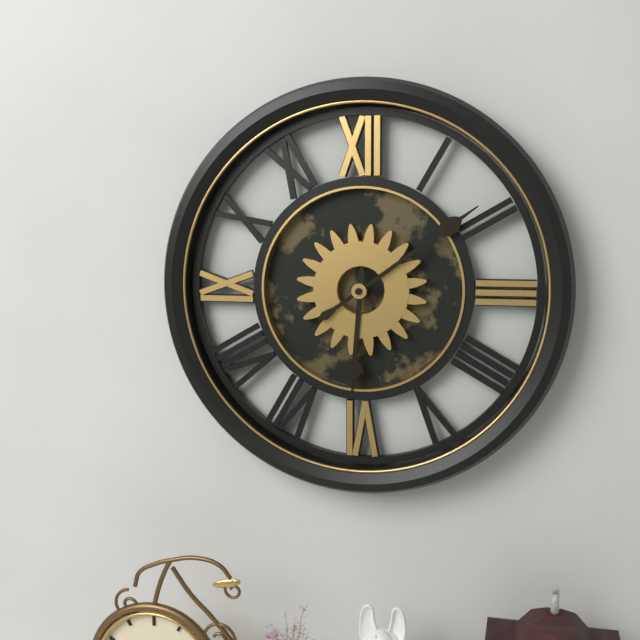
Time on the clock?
6:09
